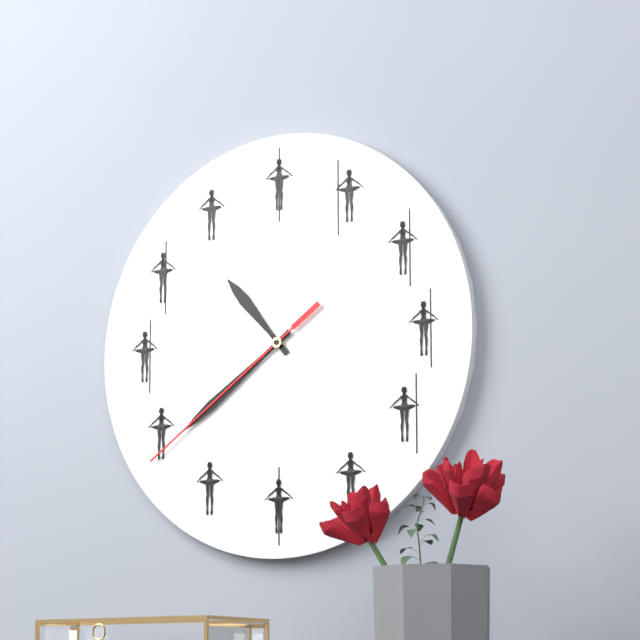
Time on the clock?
10:39:39
